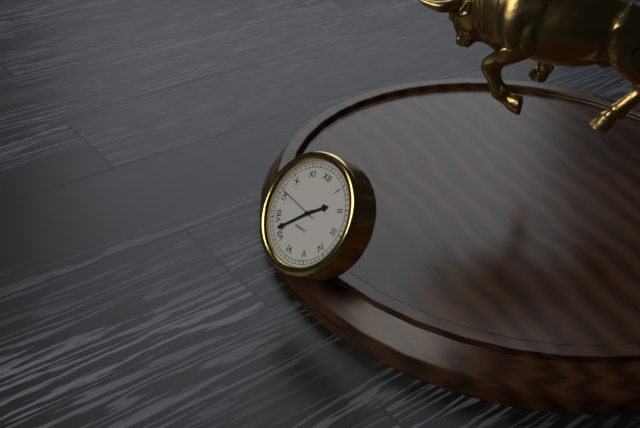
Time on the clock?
1:37
